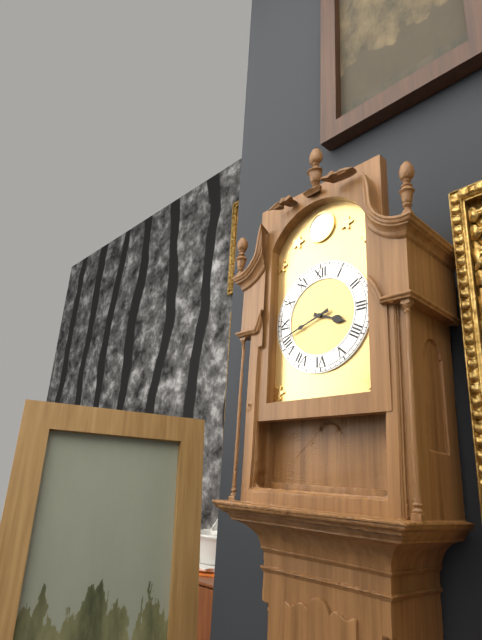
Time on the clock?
3:42
